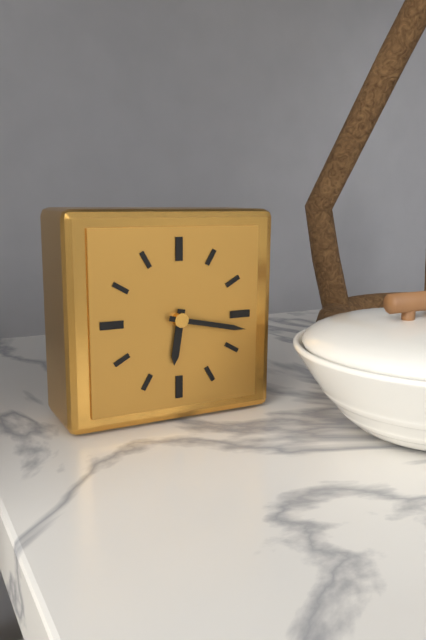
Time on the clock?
6:17
